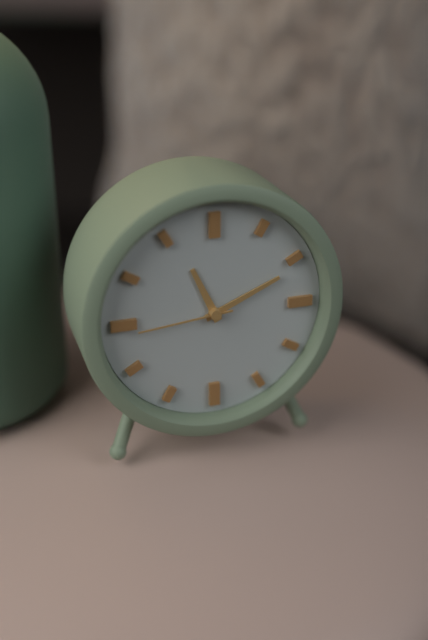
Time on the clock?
11:11:44
